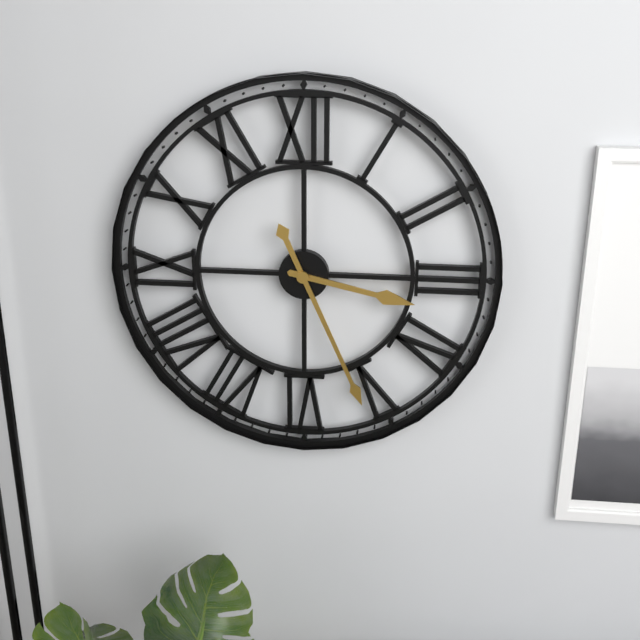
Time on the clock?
3:26
